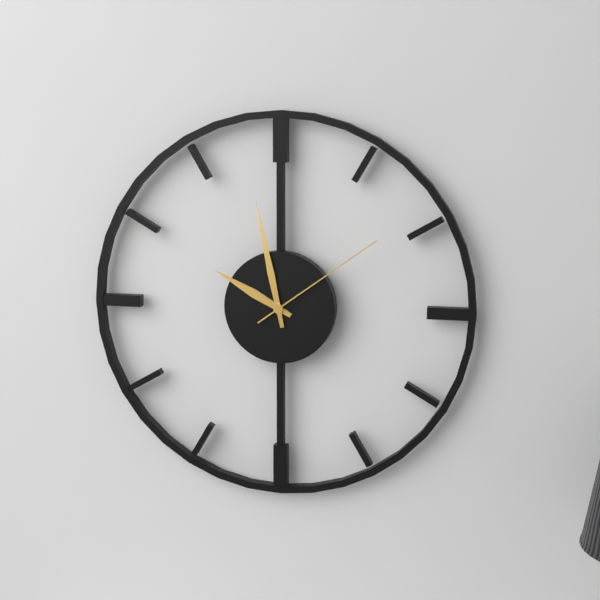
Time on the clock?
9:58:09
